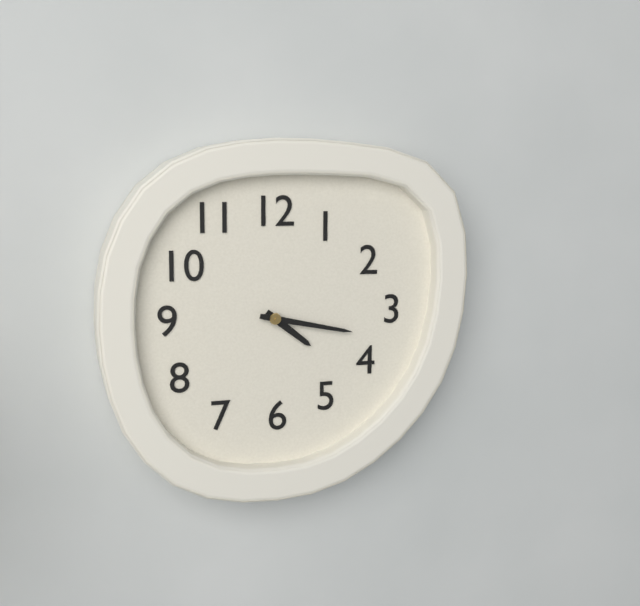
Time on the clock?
4:17
